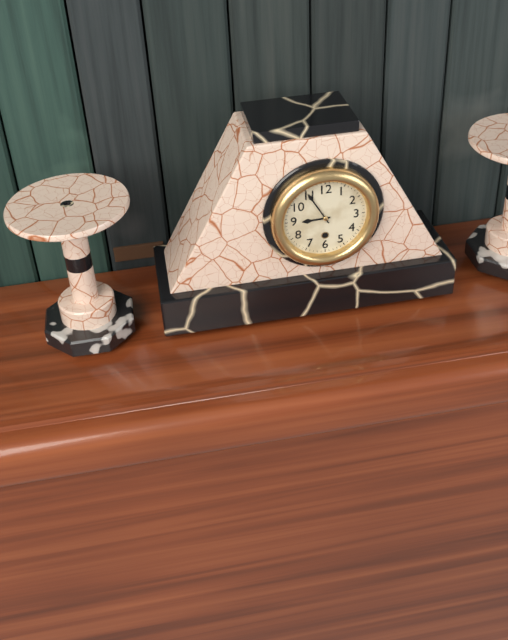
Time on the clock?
8:55
